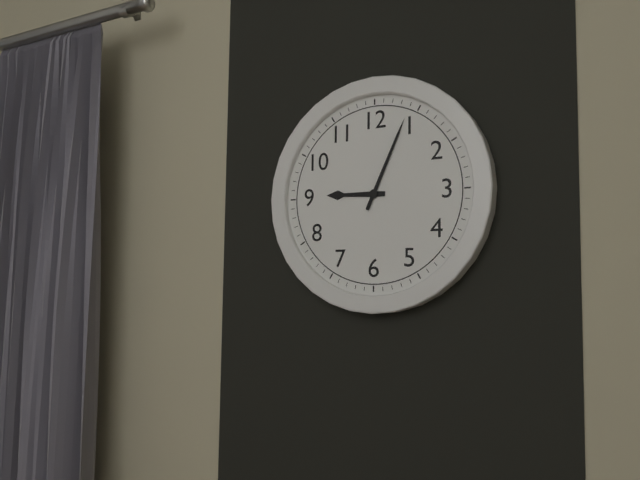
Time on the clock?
9:04
